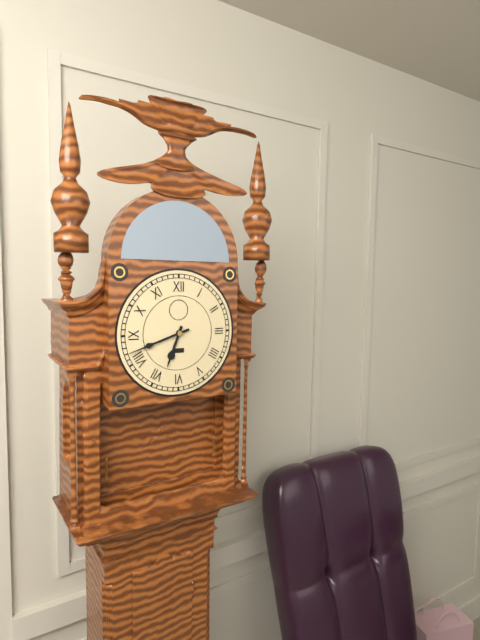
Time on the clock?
6:42
